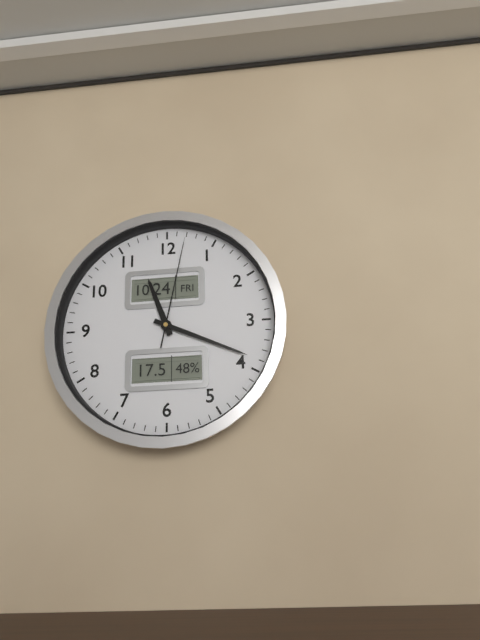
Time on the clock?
11:19:02
